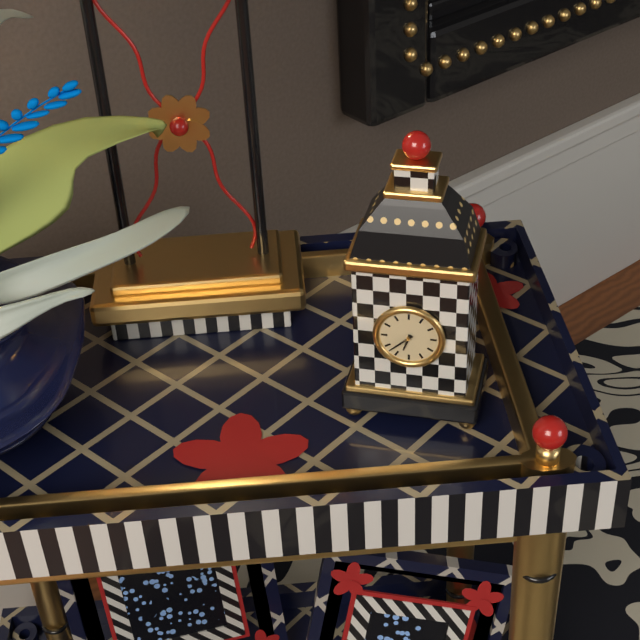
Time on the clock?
6:38
